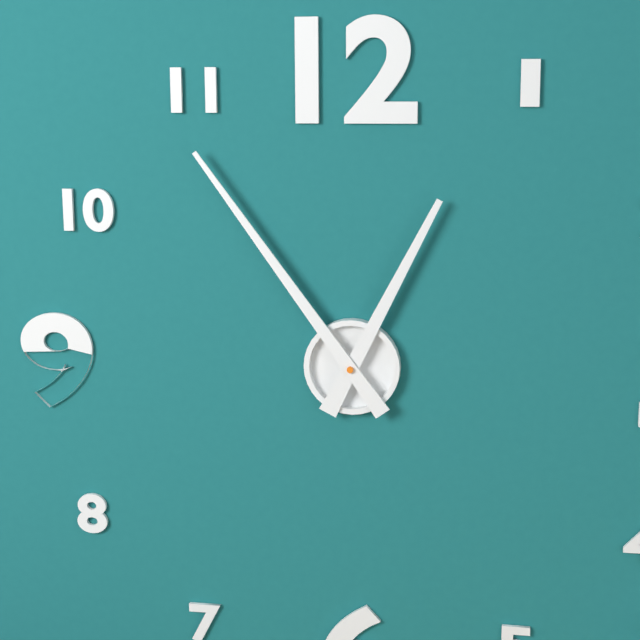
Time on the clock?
12:54
